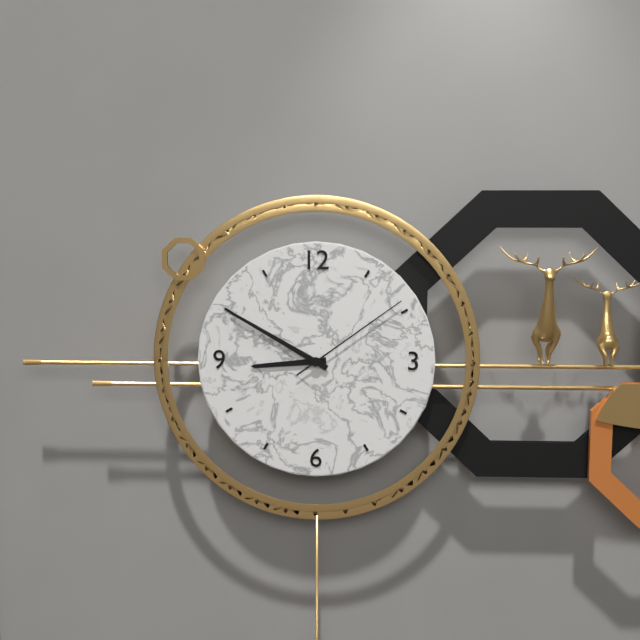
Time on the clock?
8:50:09
